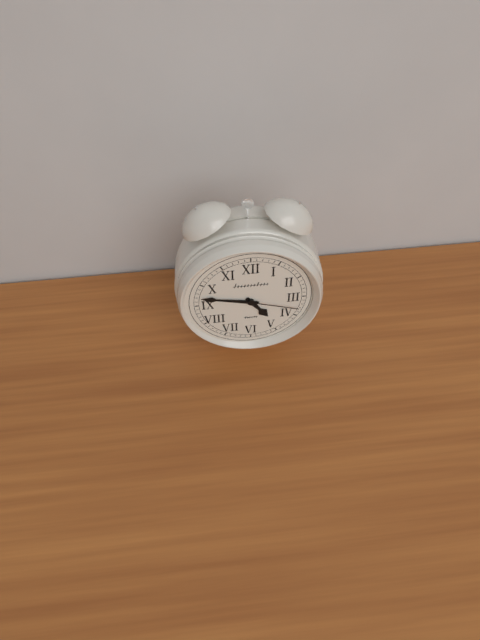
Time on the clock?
4:47:18
